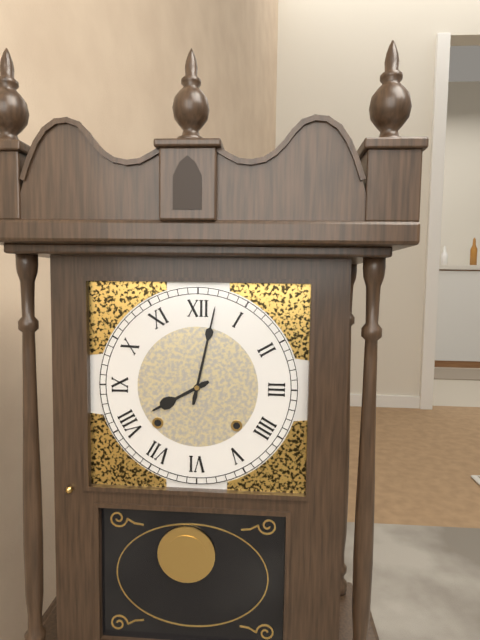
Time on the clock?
8:02
